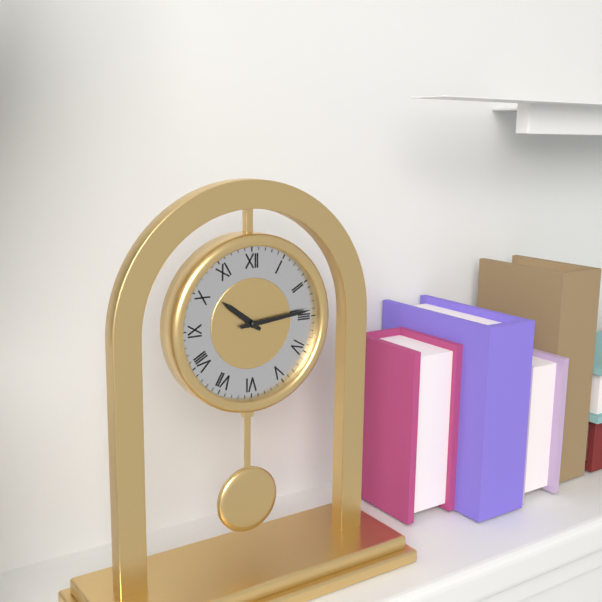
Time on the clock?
10:14
